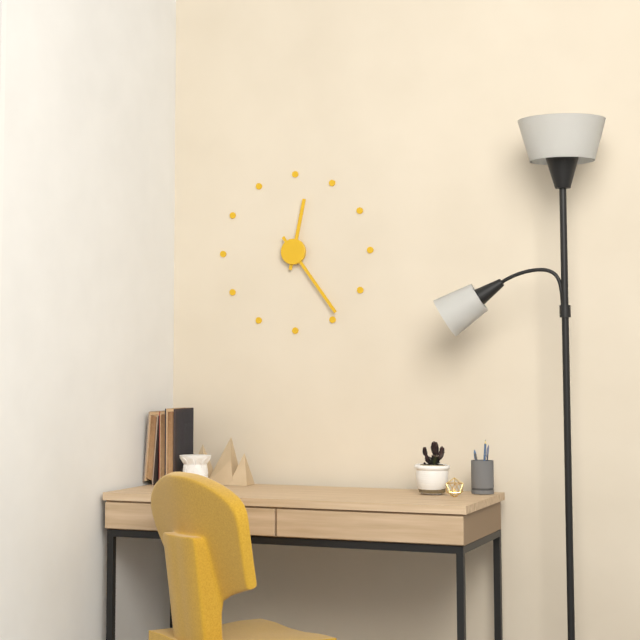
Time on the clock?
12:24
